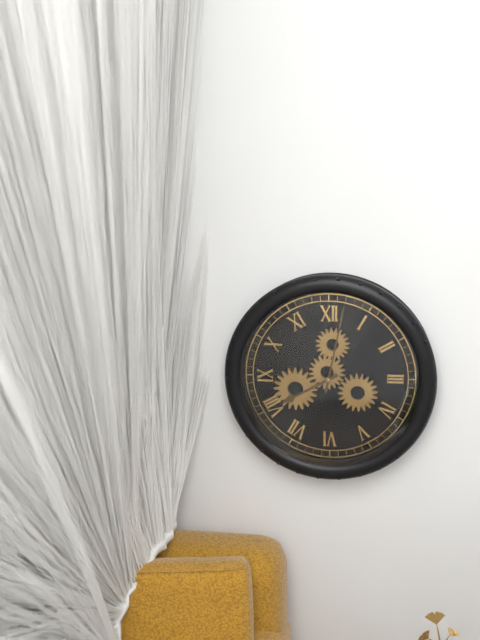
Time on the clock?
8:02
